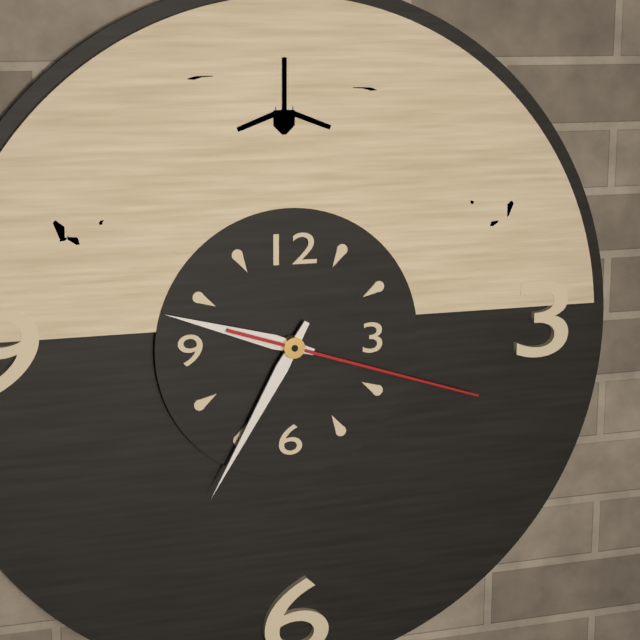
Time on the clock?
9:35:18
